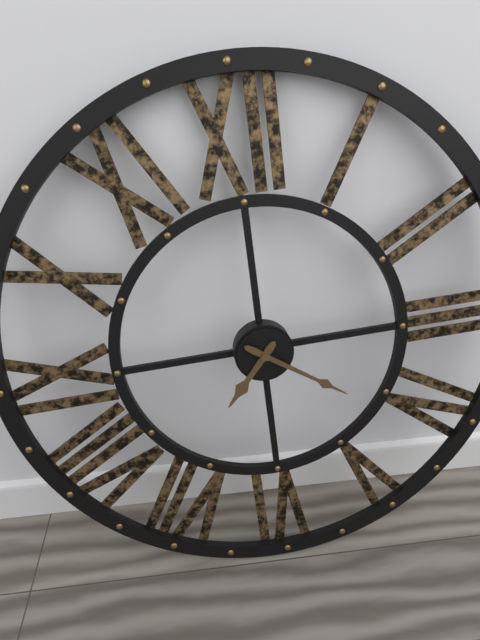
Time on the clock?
7:21
